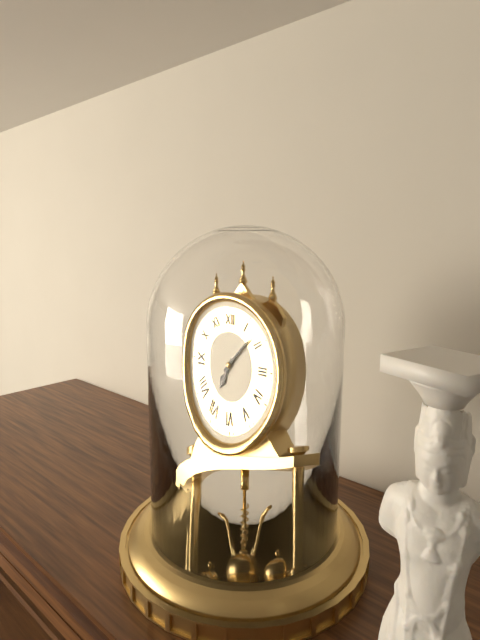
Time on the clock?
7:08
